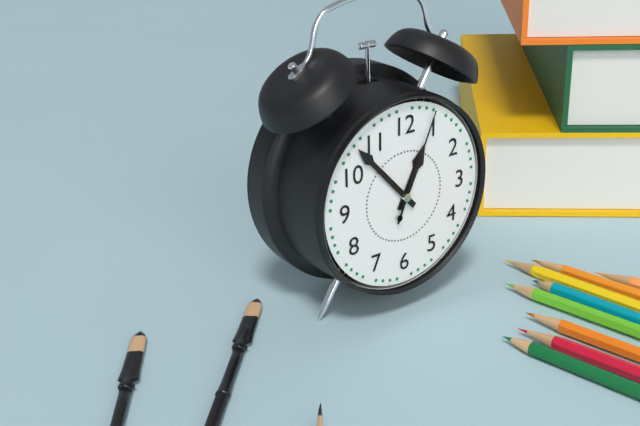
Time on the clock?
12:53:04
